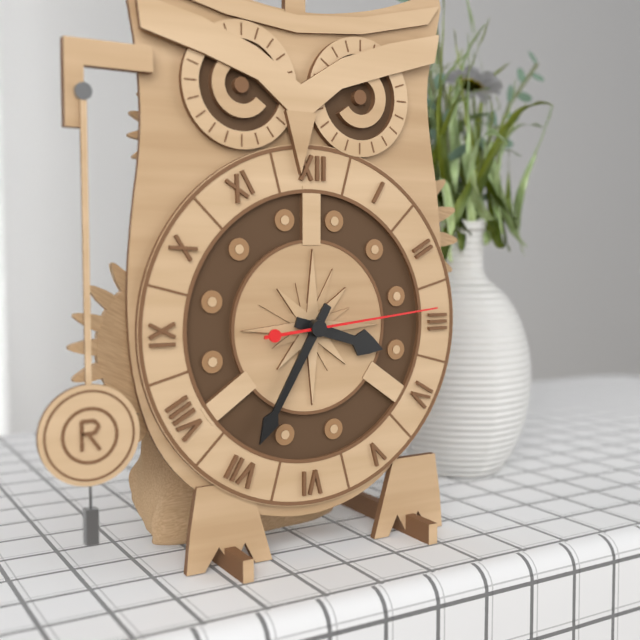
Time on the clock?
3:35:14
